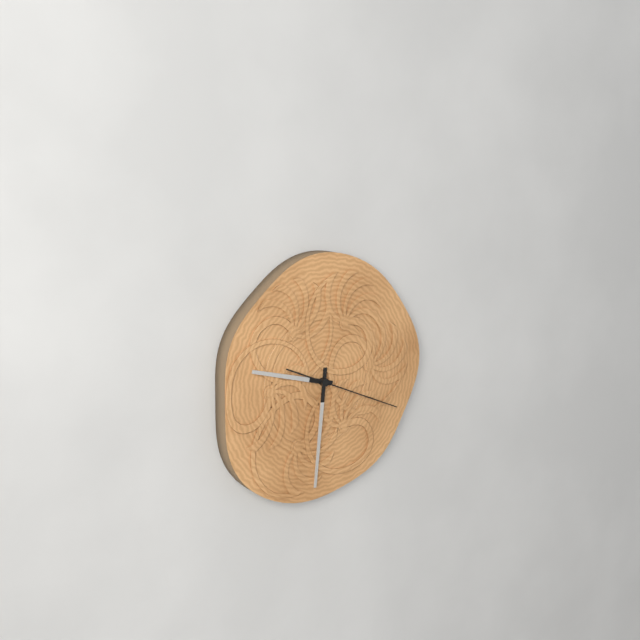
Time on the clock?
9:31:19
